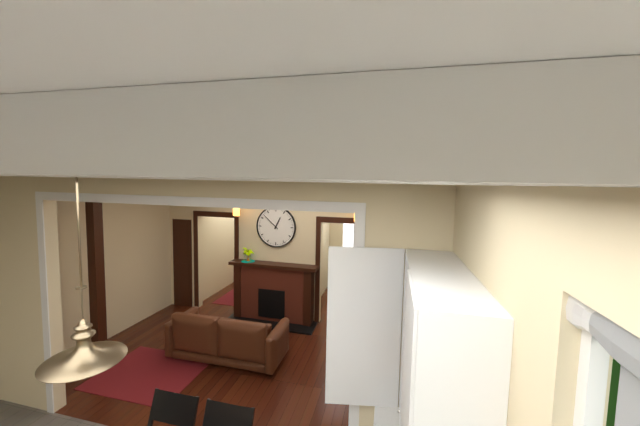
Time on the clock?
12:52
